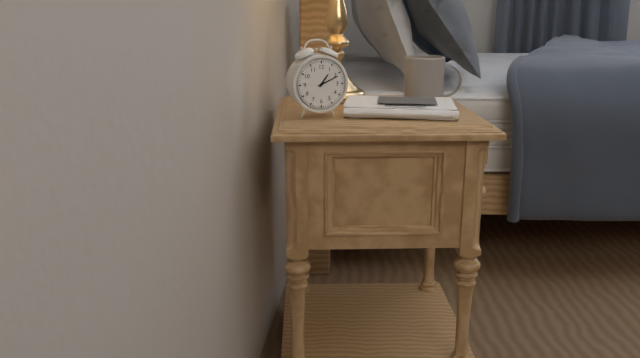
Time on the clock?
1:11
